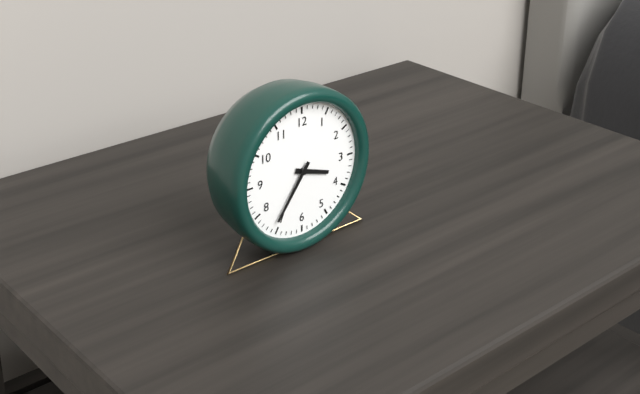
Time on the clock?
3:36
